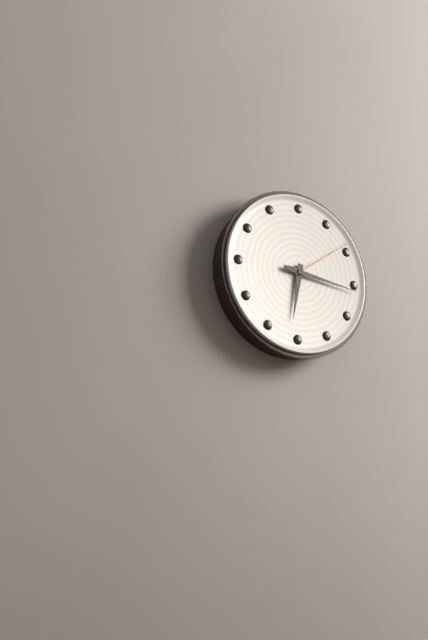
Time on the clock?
6:16:09
